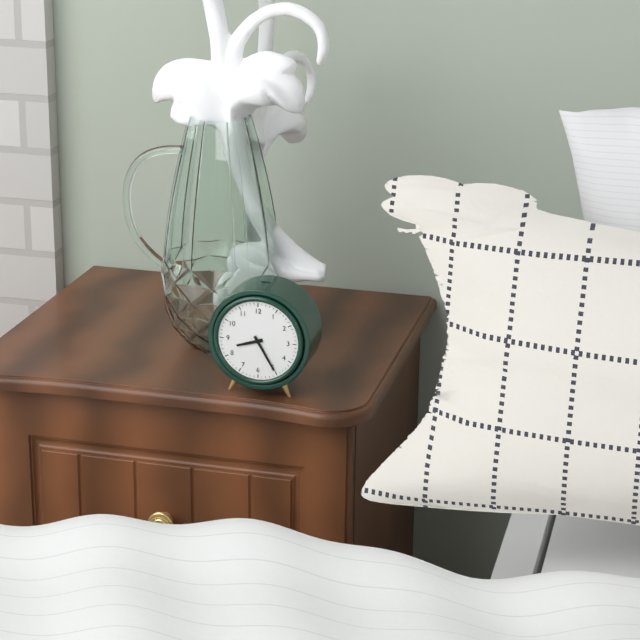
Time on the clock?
8:25
